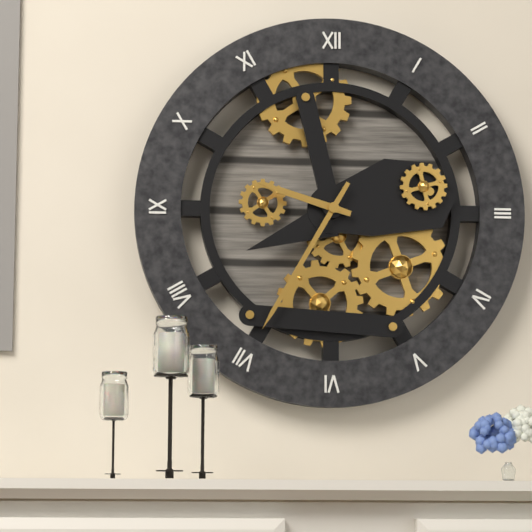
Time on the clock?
9:35
